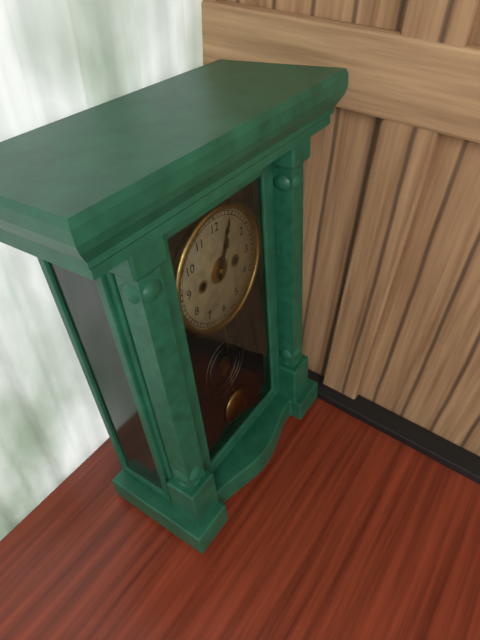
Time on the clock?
1:04
